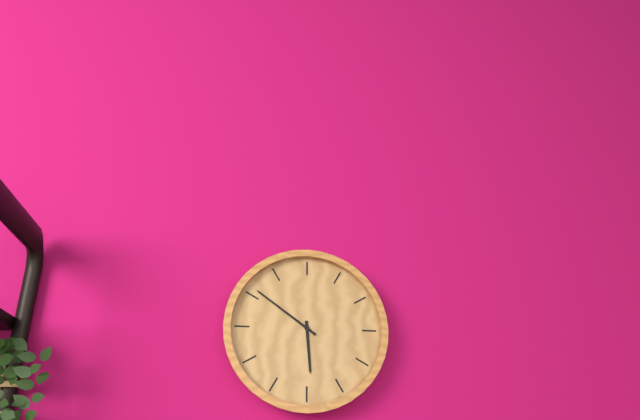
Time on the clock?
5:51
